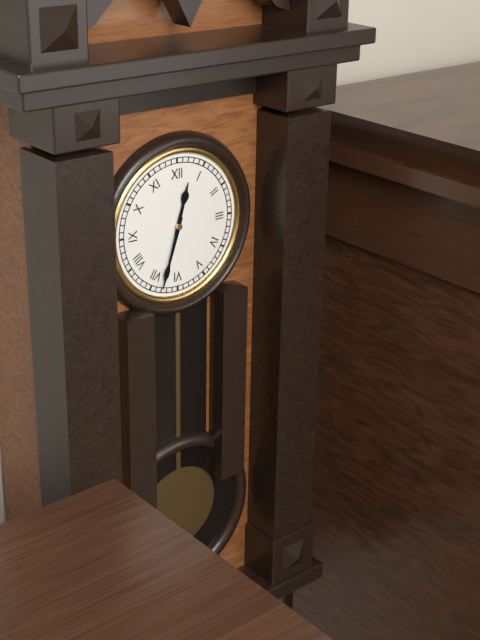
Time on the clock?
12:33
